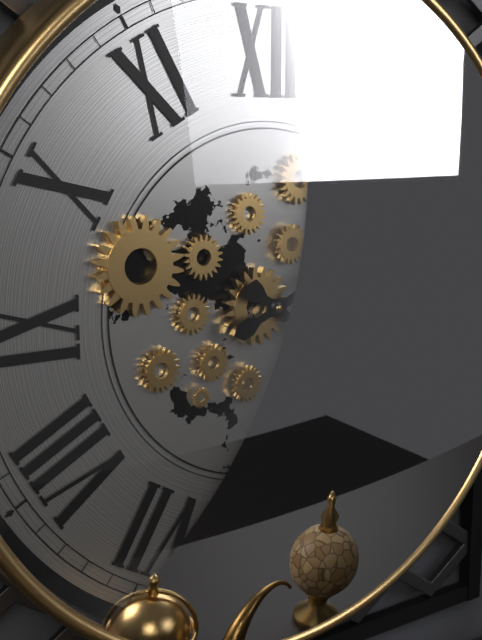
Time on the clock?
4:11
